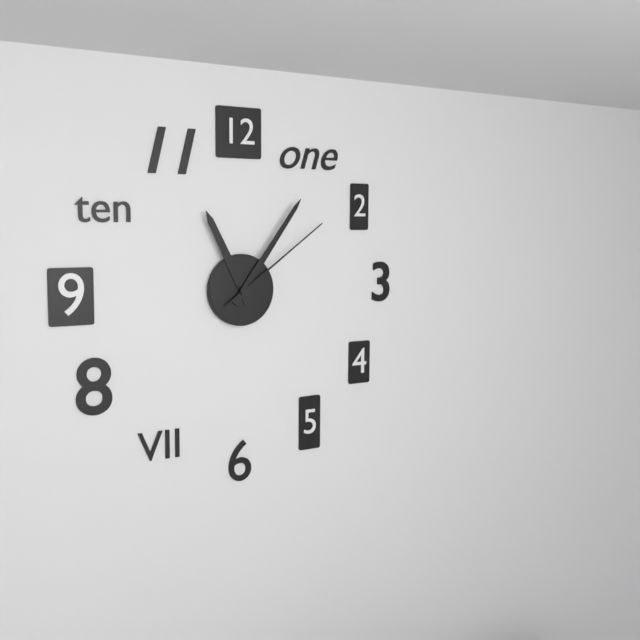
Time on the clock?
11:06:09
